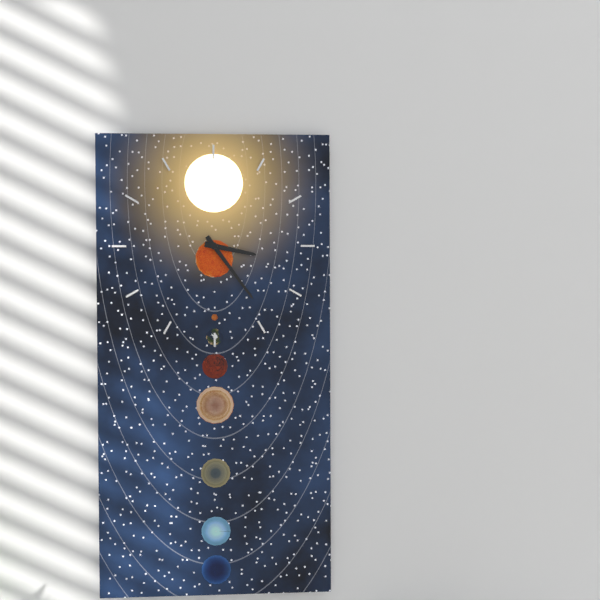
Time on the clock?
3:24
